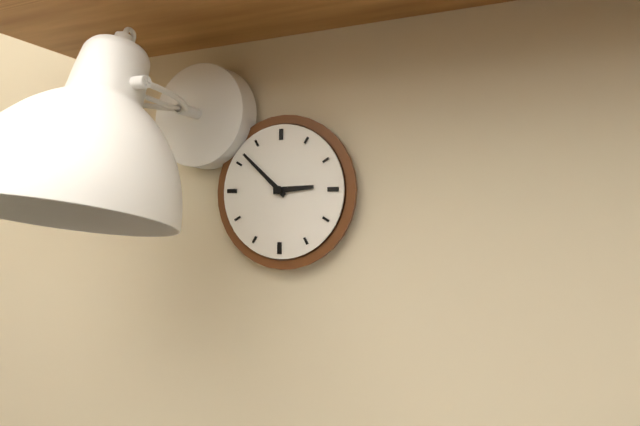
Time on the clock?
2:52
